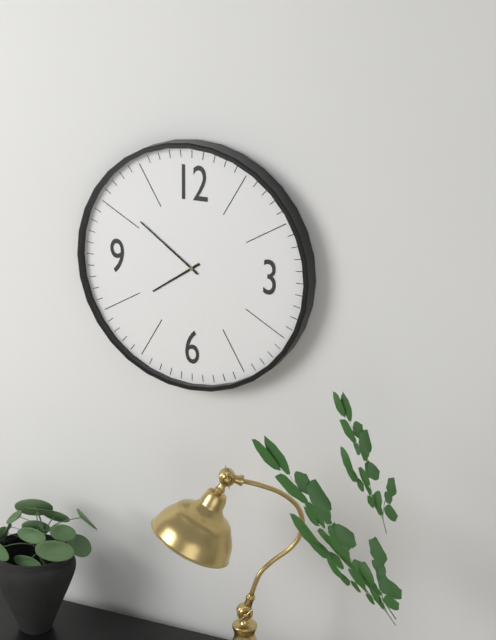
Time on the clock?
7:51
